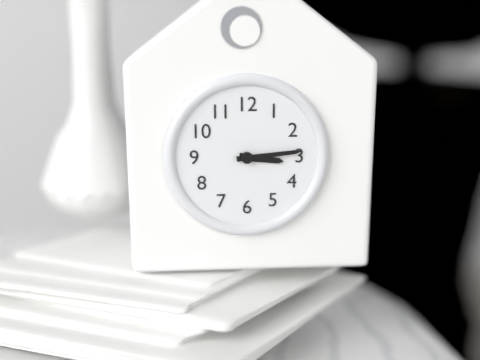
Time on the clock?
3:14
